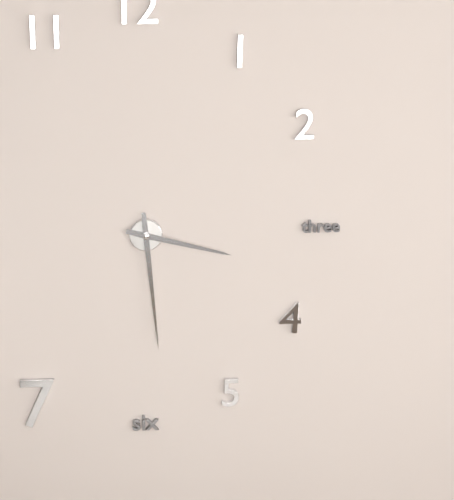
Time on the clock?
3:29
